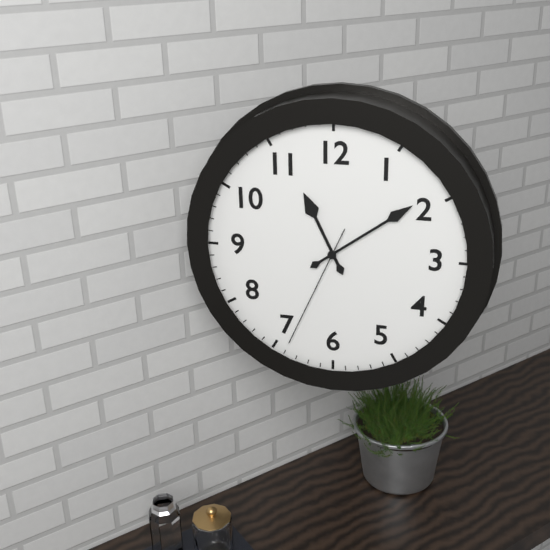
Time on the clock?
11:09:34
